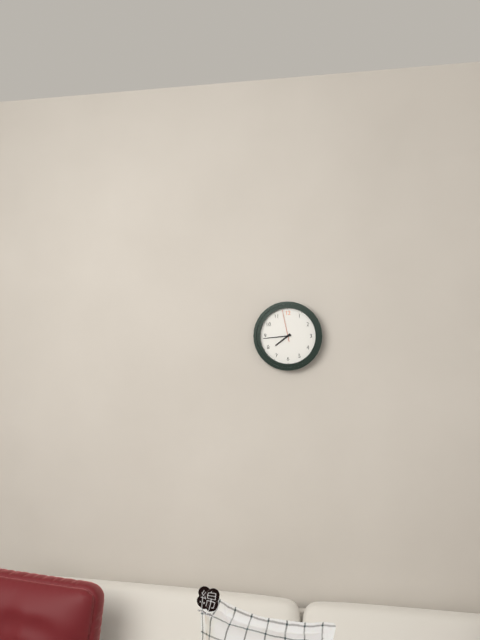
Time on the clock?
7:44
